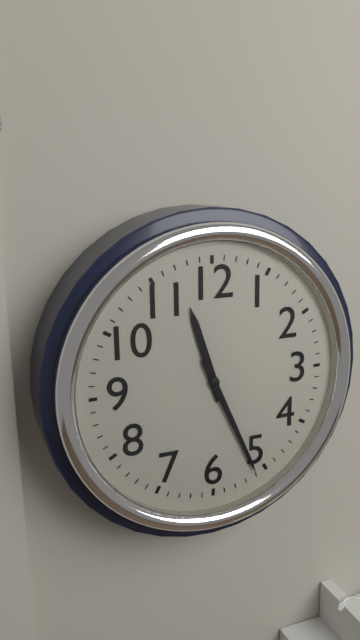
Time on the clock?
11:26
